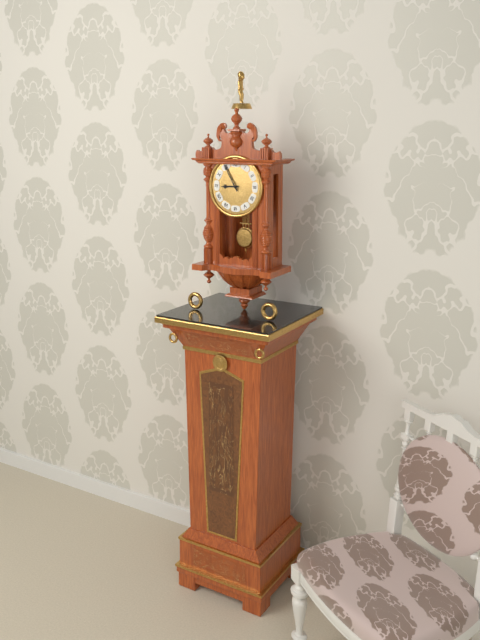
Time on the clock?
8:55
